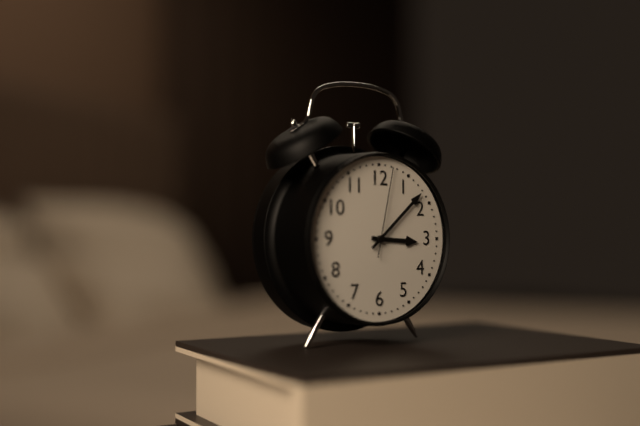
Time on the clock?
3:08:02
